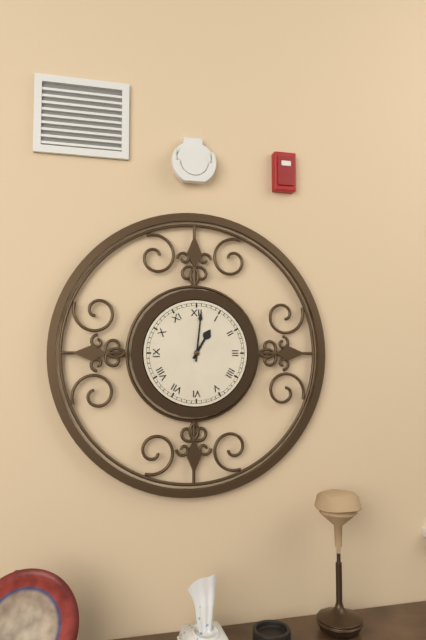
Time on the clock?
1:01
